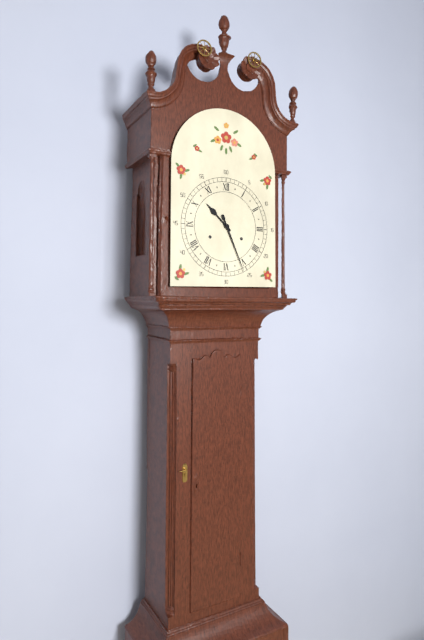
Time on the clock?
10:26
